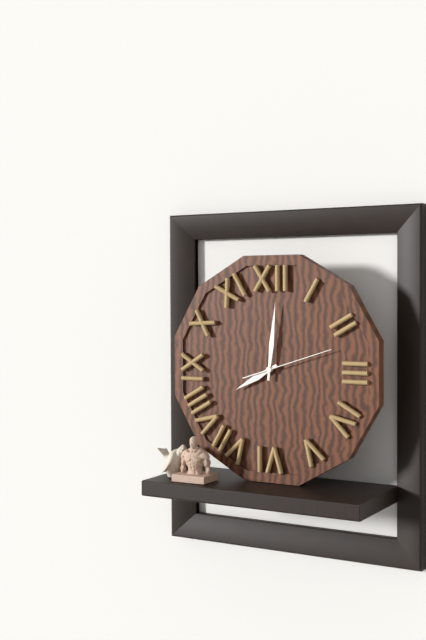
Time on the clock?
8:01:12
